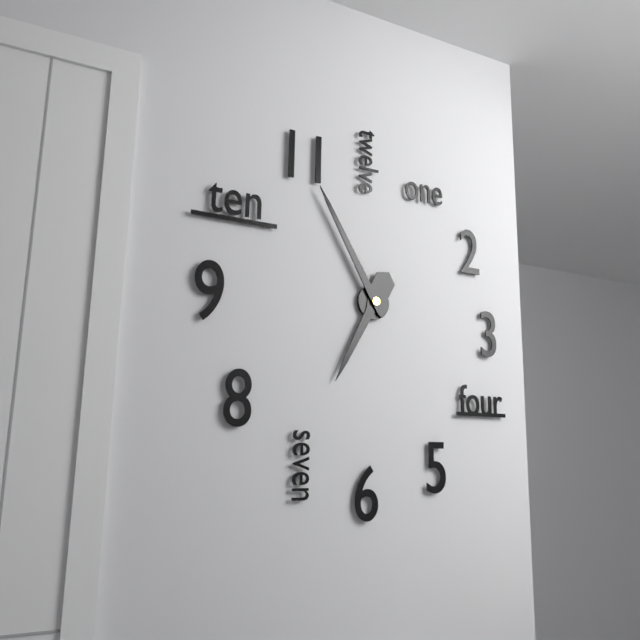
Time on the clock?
6:55
